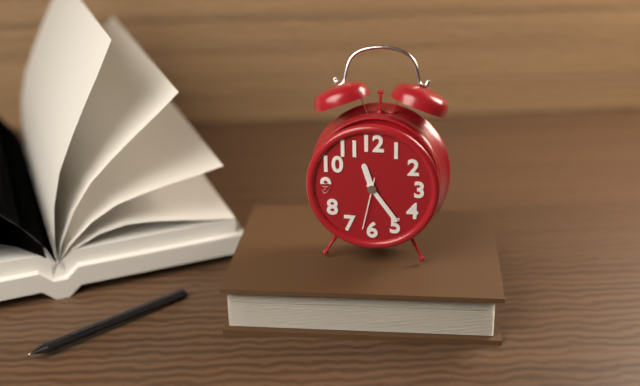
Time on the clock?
11:24:32
